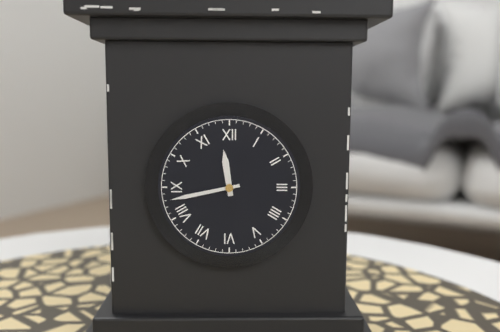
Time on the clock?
11:43
